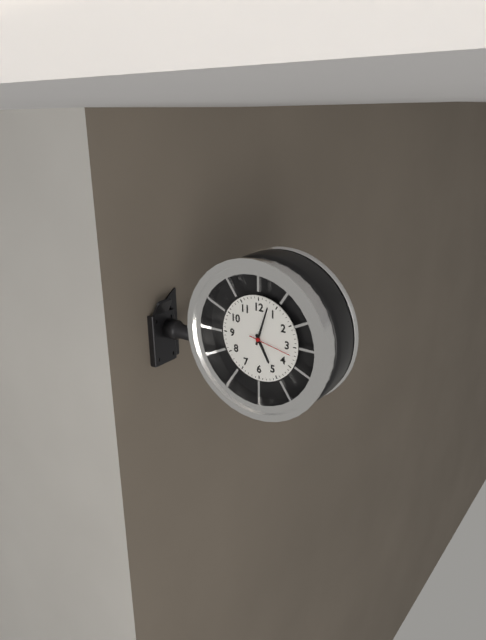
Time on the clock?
5:03
